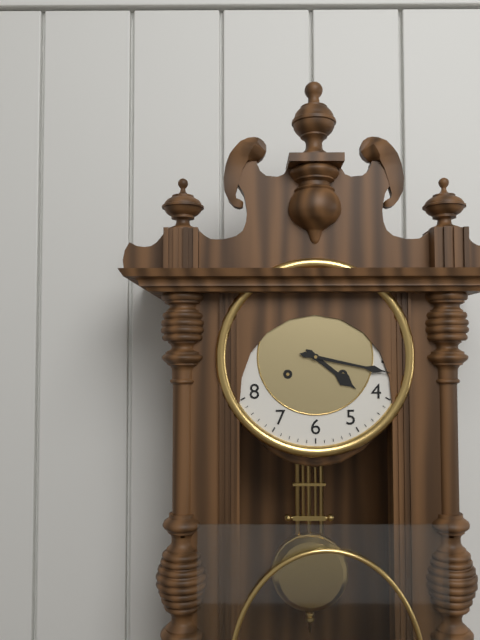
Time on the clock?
4:17
